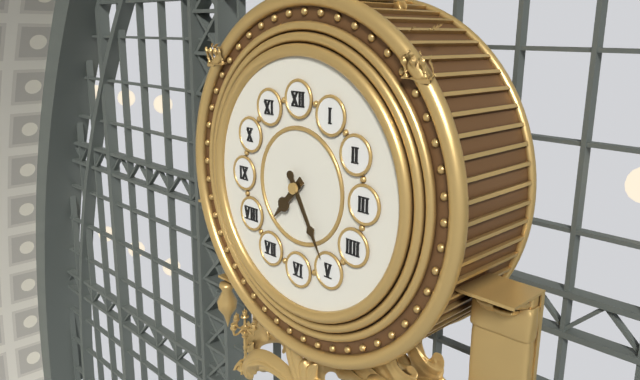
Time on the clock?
7:25
